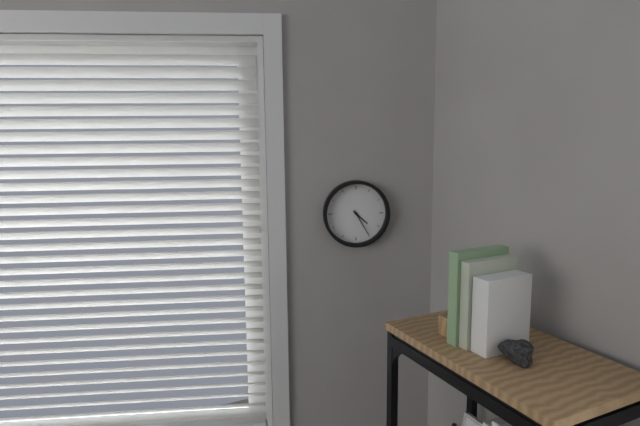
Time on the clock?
4:25
